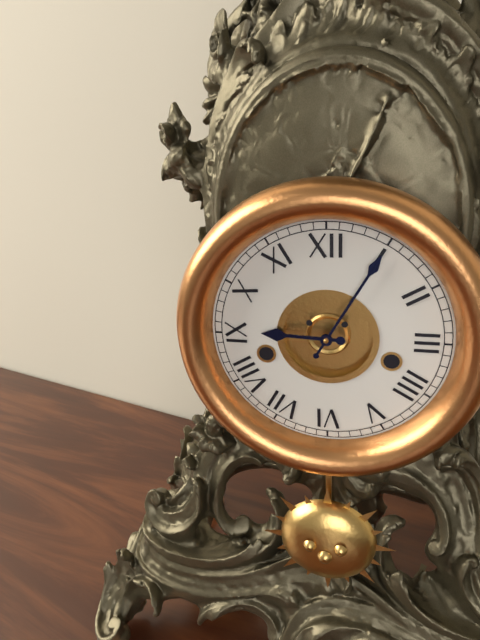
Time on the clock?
9:05
